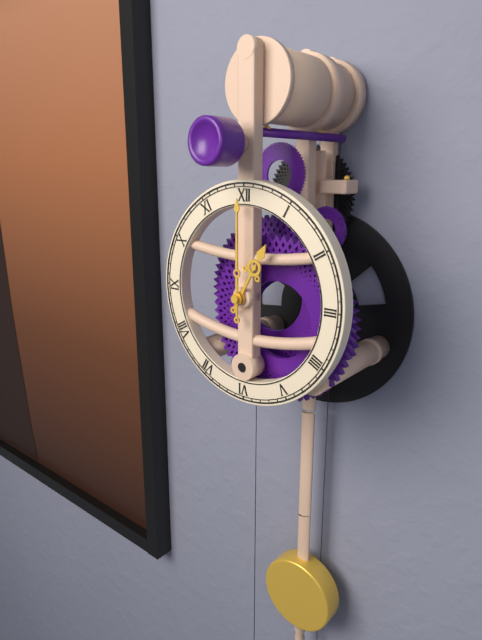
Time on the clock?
1:00
